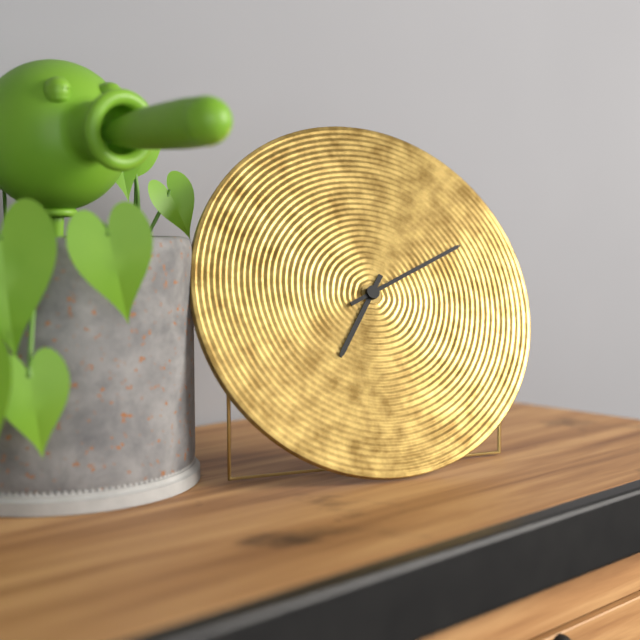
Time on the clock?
7:11
